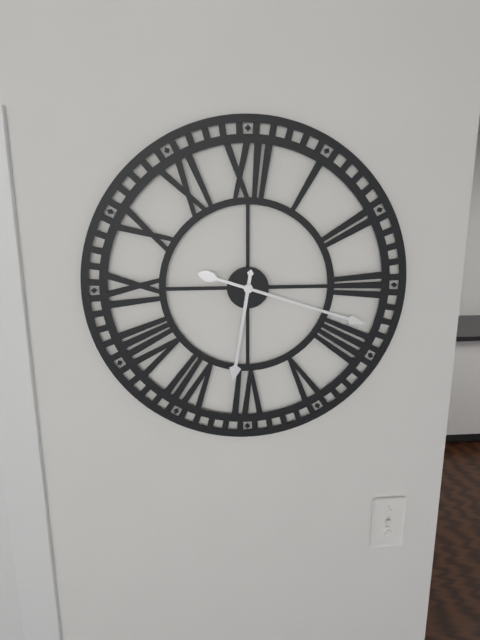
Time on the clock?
6:18
